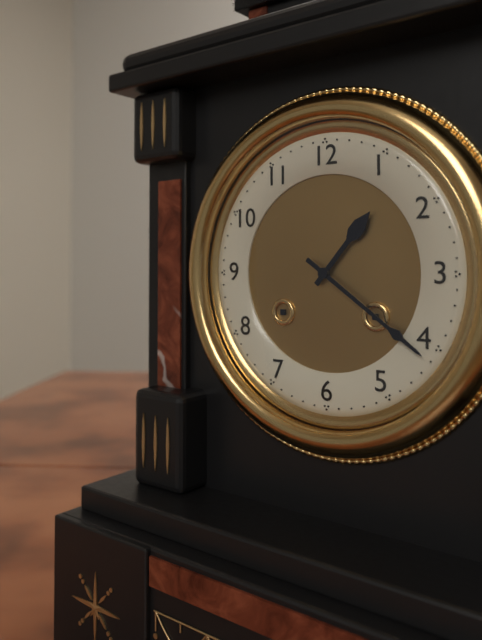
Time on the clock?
1:21
